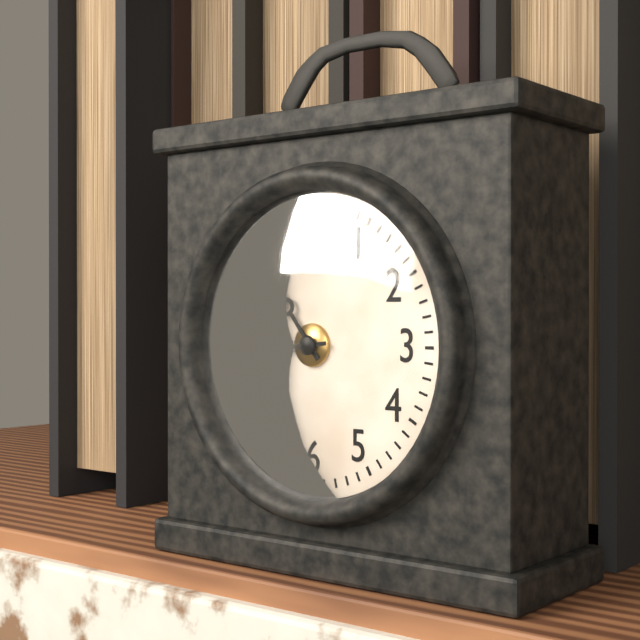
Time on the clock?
10:44
